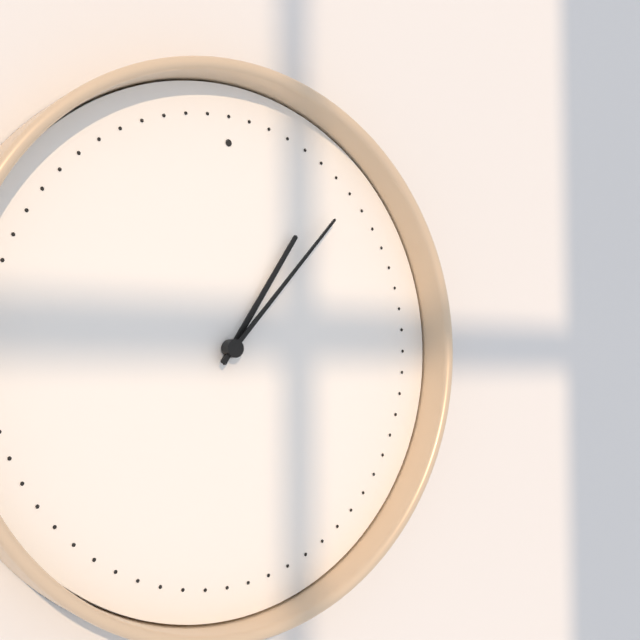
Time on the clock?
1:07
